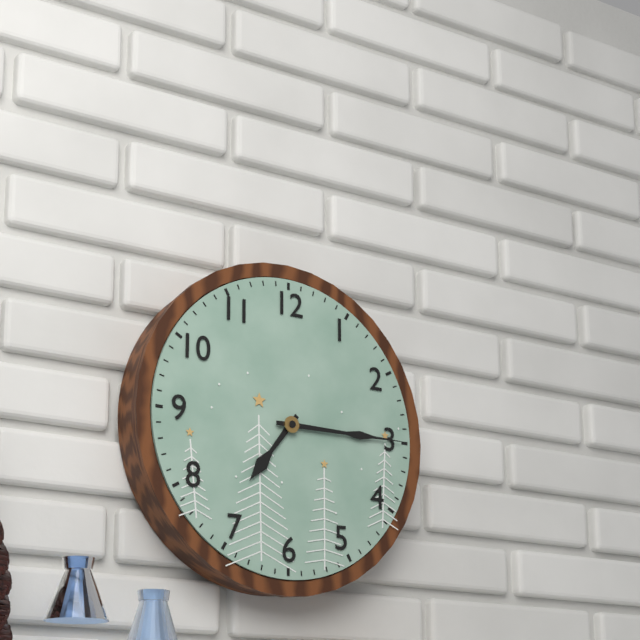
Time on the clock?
7:15
